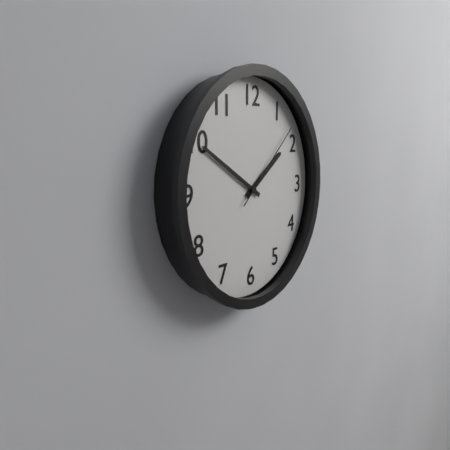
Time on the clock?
1:50:08
